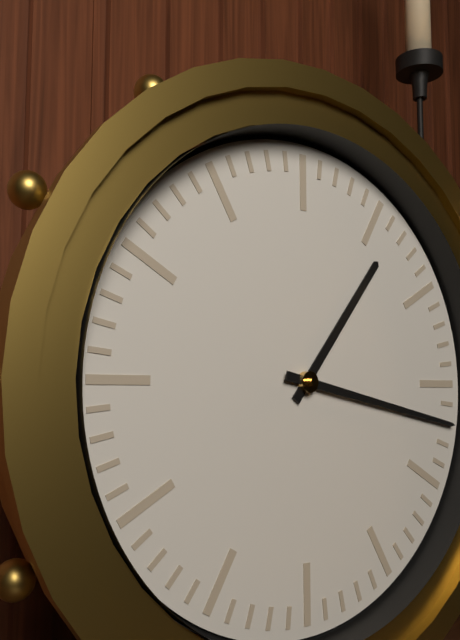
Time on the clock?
1:17
